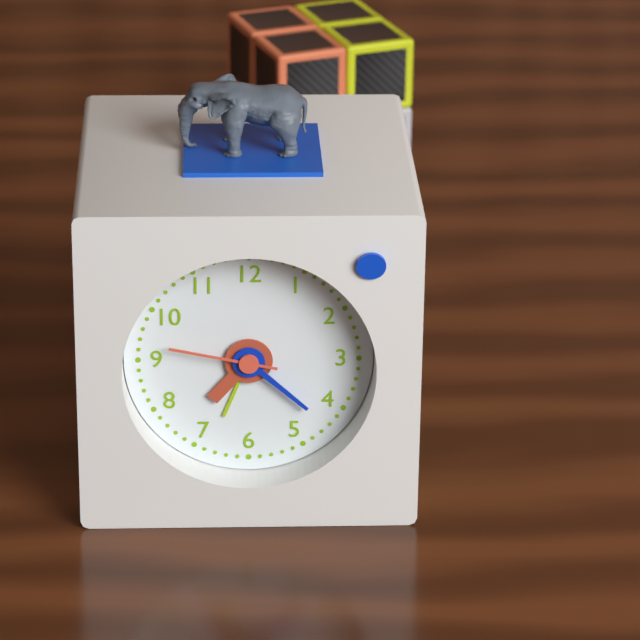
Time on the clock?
7:22:47
